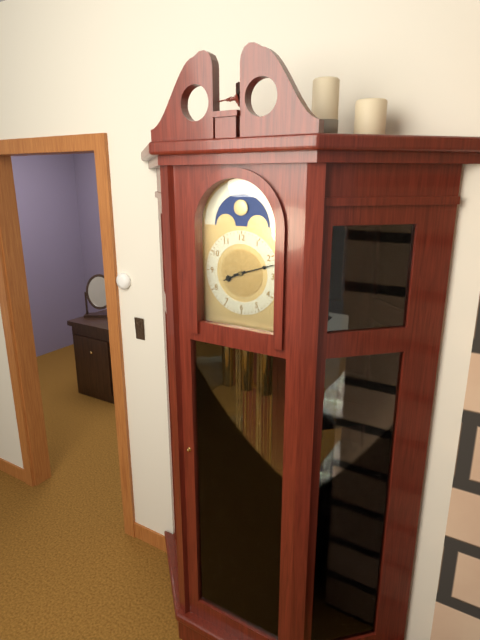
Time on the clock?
8:12
